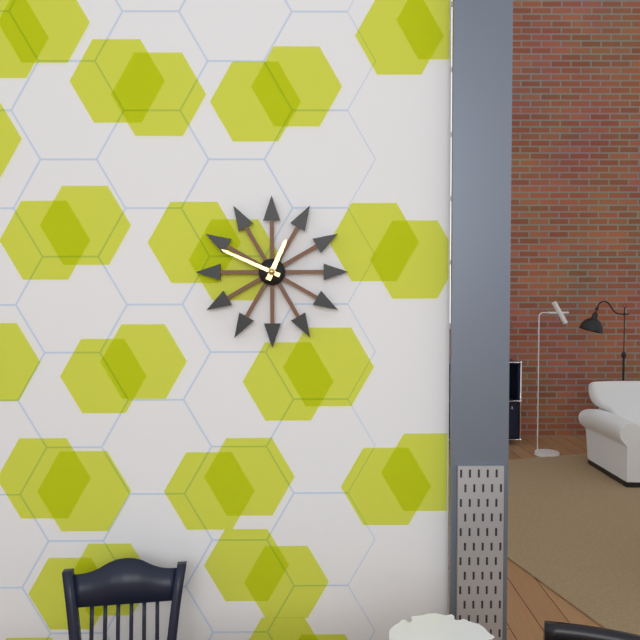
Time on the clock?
12:49
